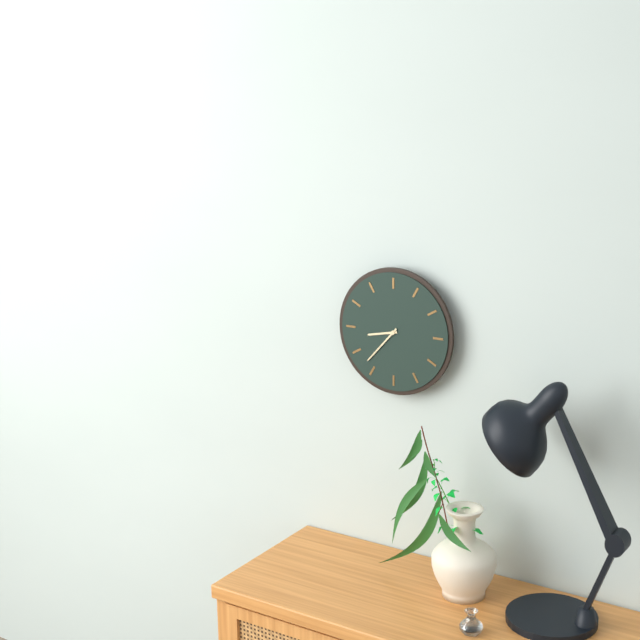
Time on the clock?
8:37
